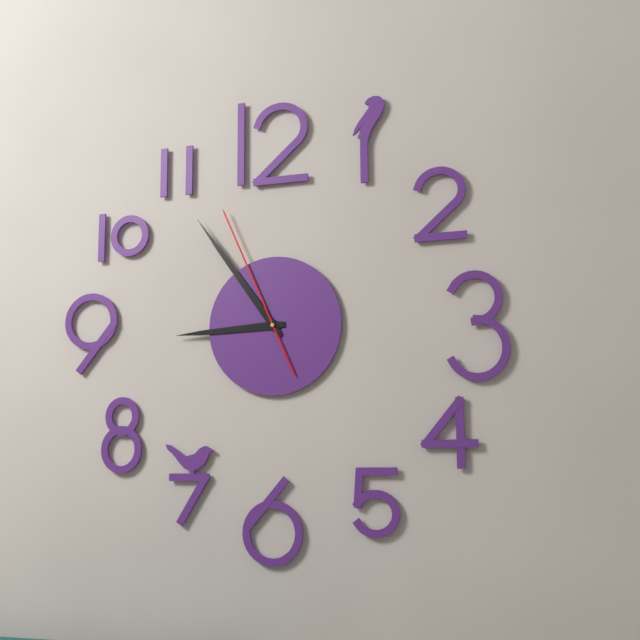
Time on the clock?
8:54:56
